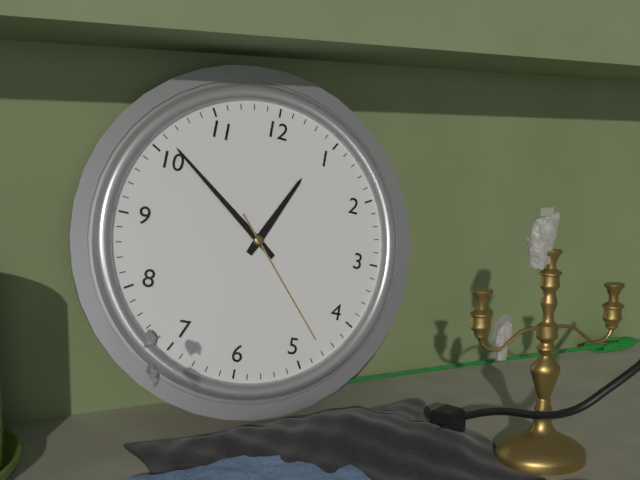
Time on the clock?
12:51:23
